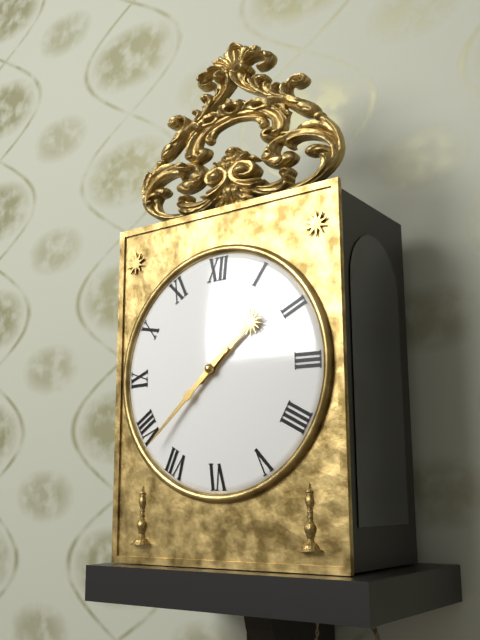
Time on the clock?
1:38
